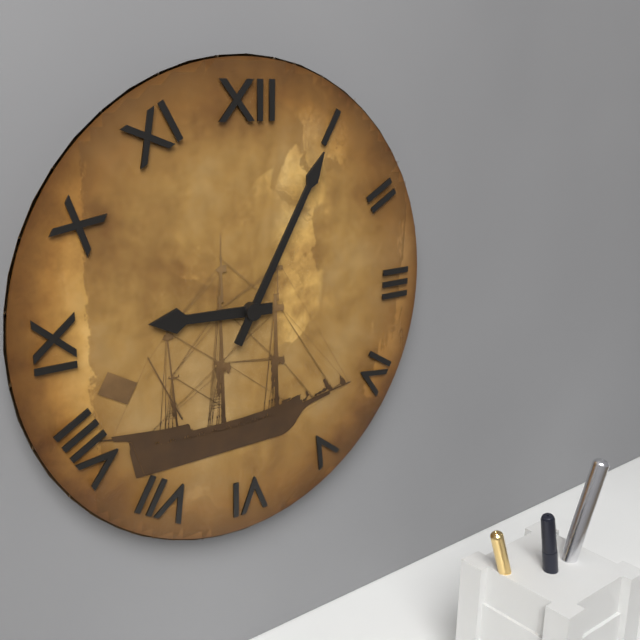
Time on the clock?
9:05
